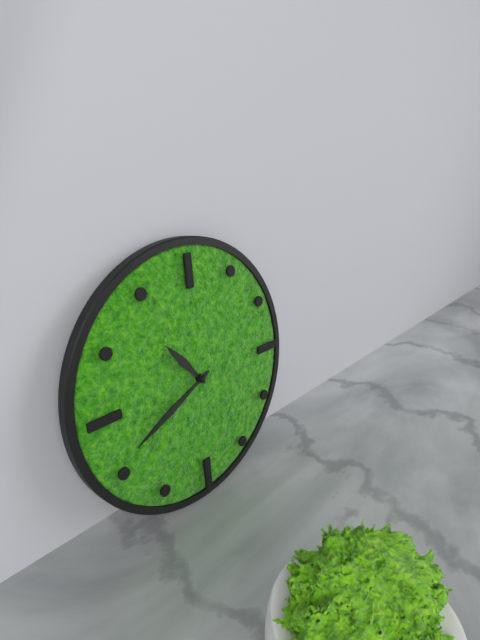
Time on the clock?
10:41
